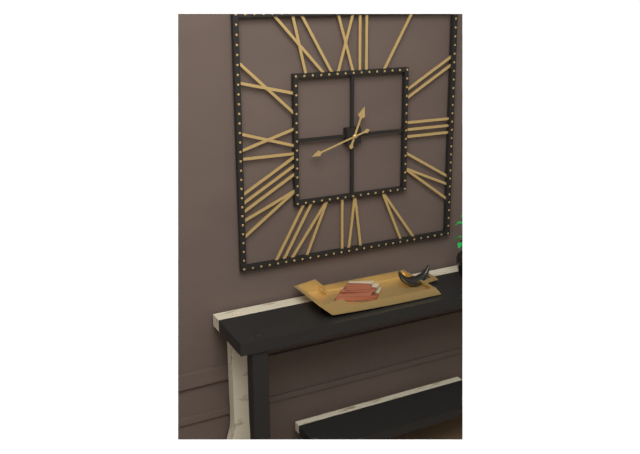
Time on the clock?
12:42
